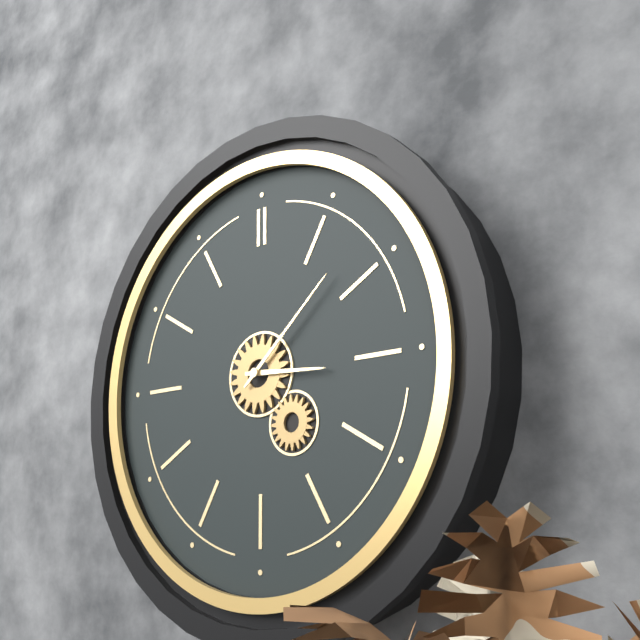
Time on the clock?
3:08
